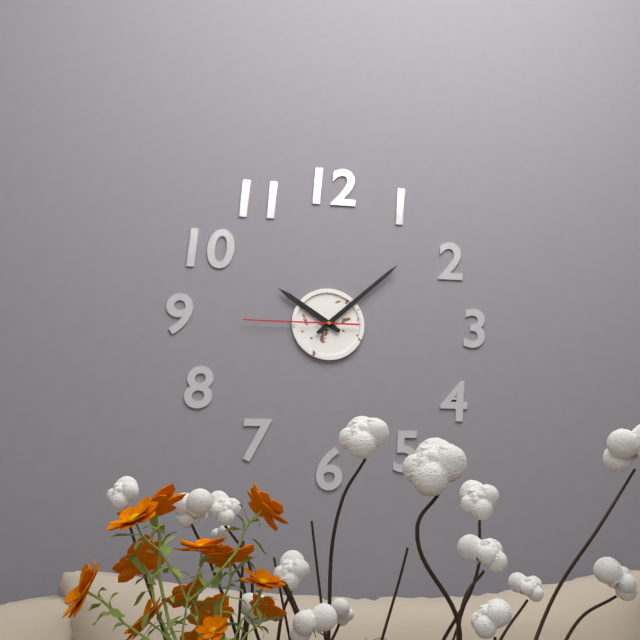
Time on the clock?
10:08:45
